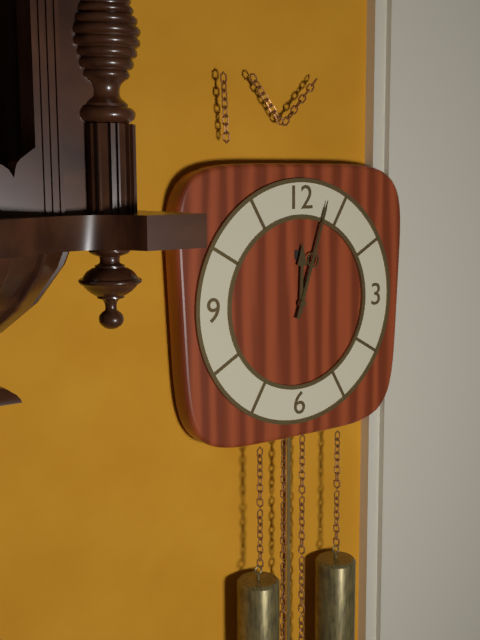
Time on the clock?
12:03
